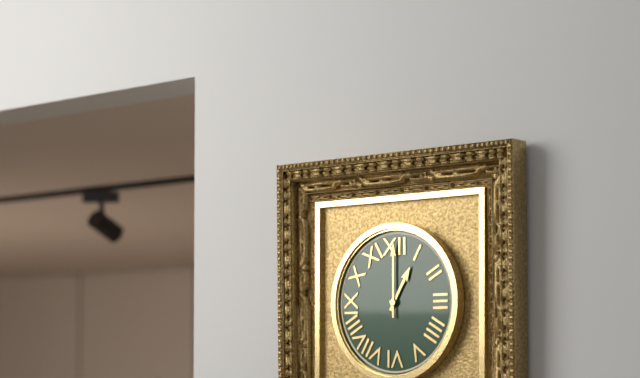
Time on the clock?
1:00
